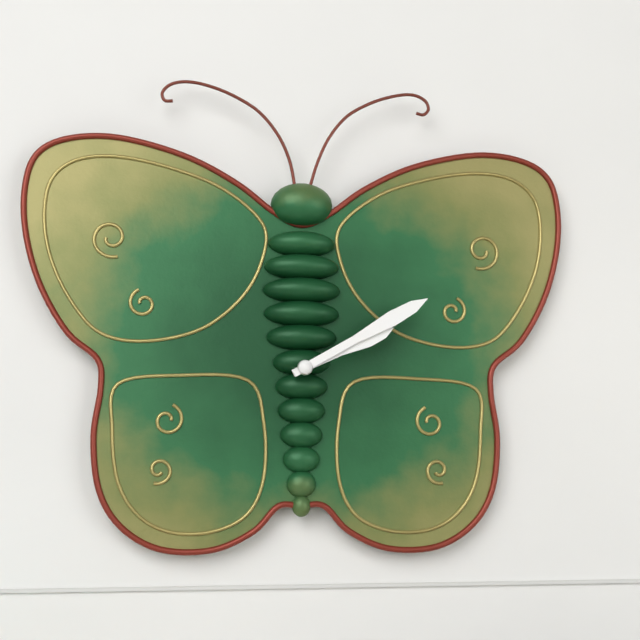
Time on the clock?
2:10
